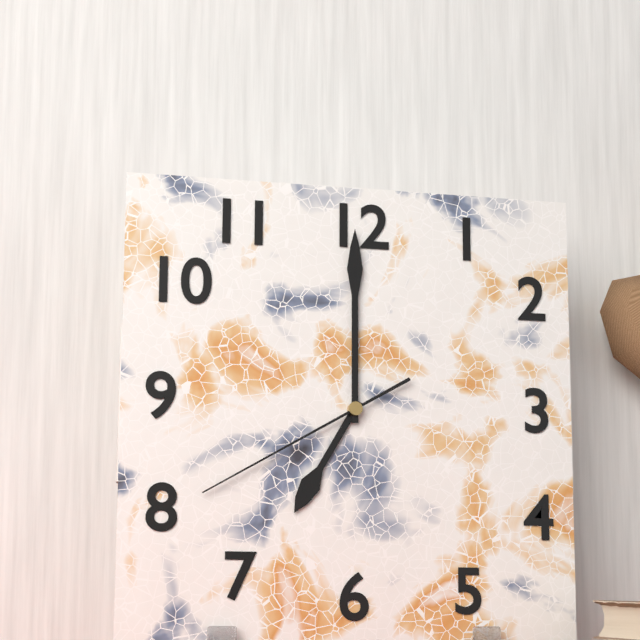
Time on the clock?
7:00:40
